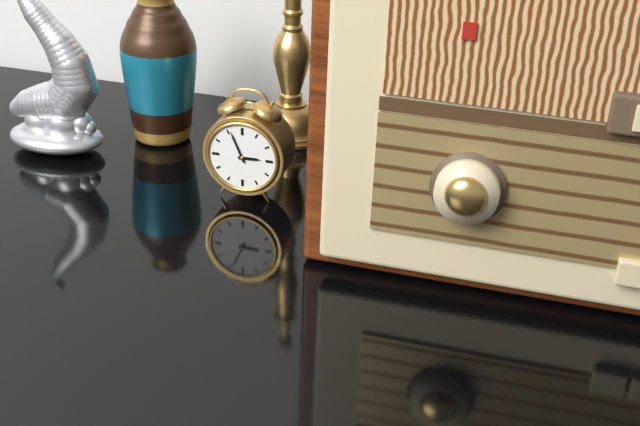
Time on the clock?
2:56
